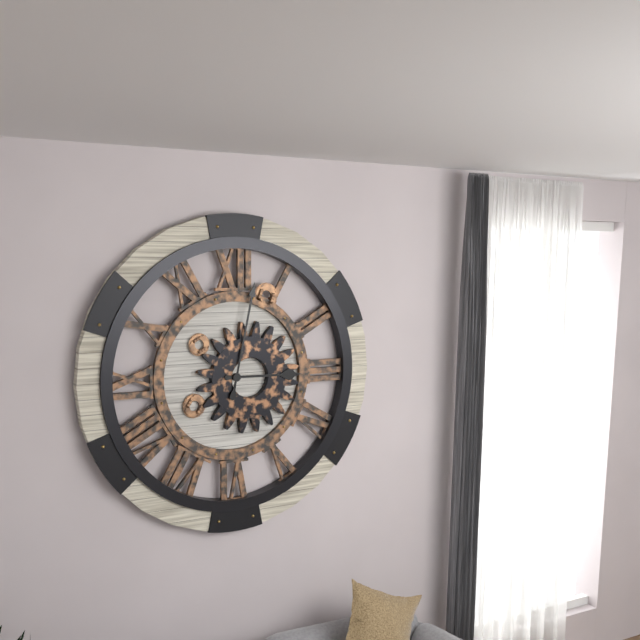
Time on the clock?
3:02
